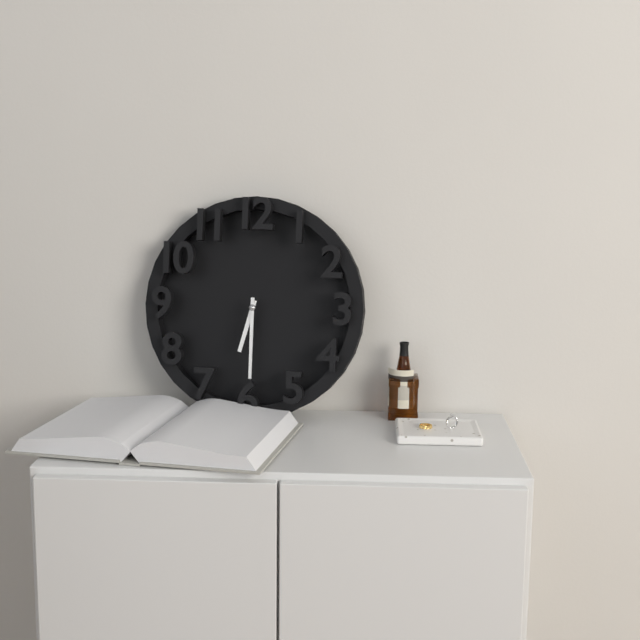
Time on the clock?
6:30
